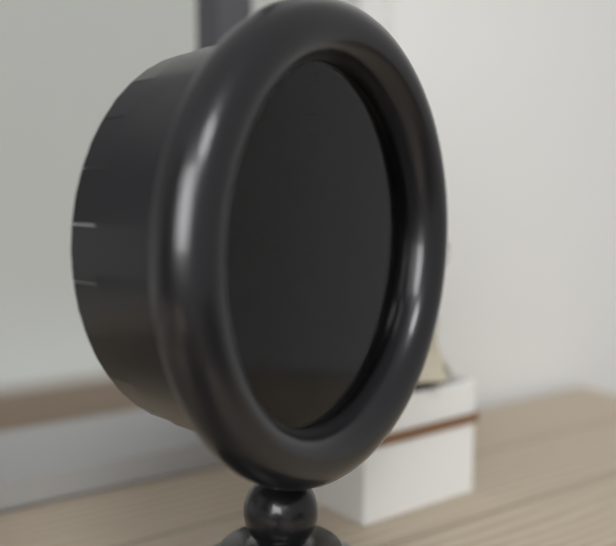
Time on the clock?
5:52
